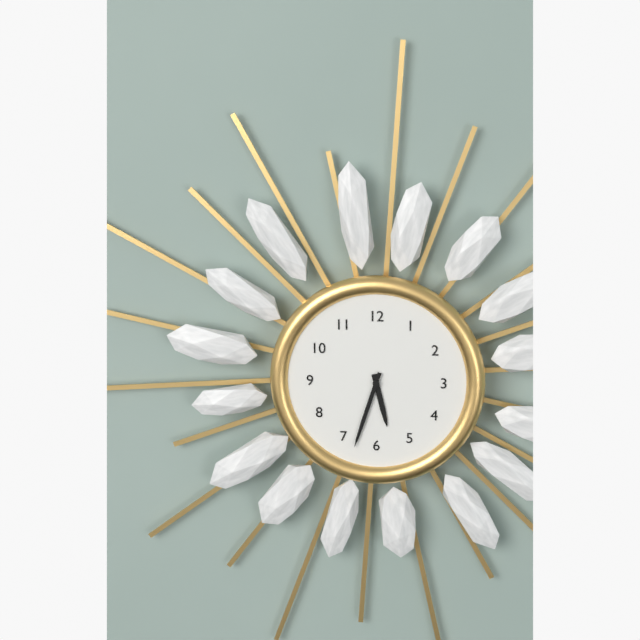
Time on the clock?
5:33
